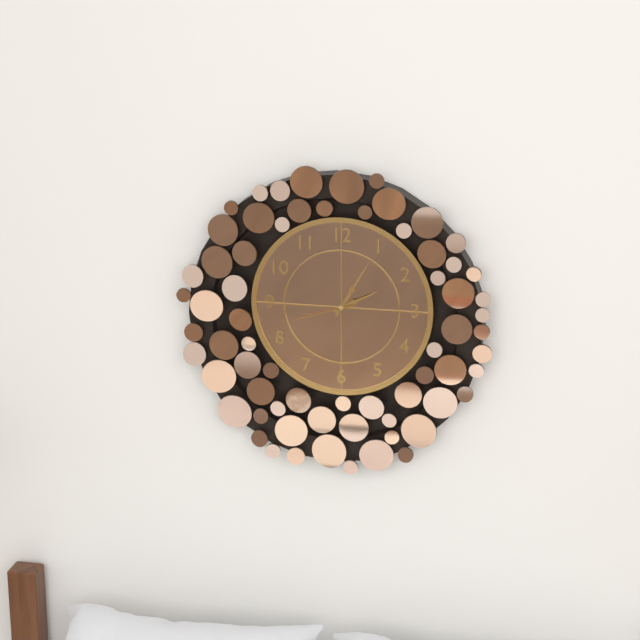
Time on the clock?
2:05:42
